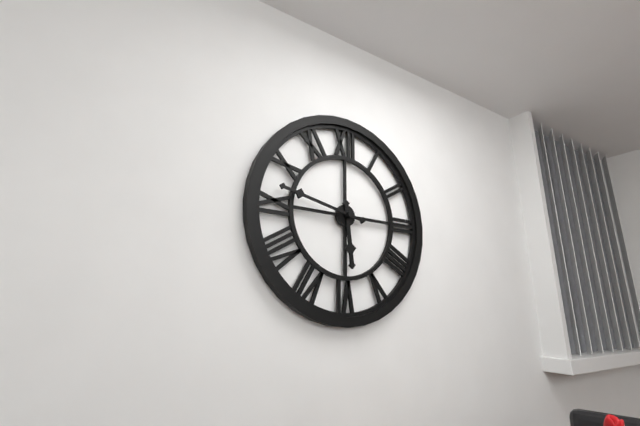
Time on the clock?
5:47
